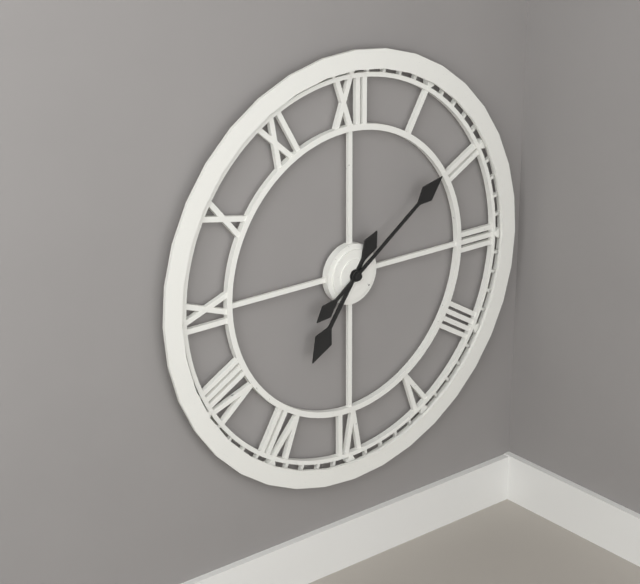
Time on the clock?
7:09
